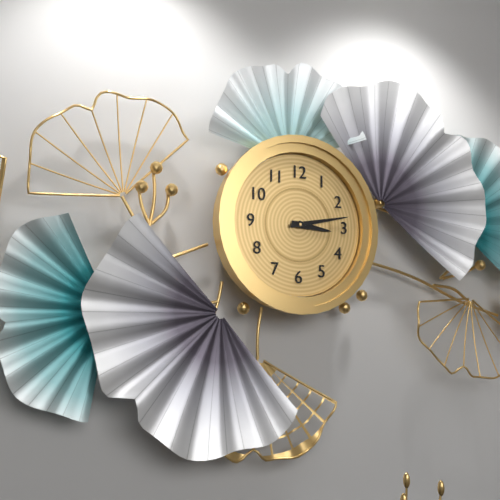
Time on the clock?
3:13
